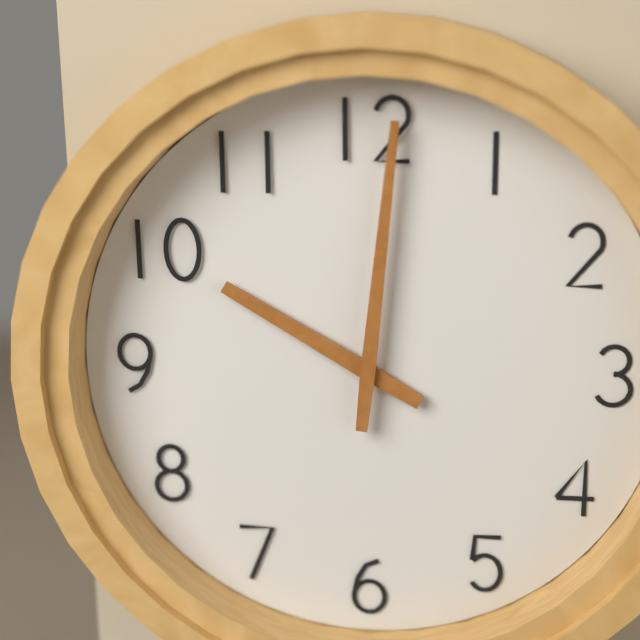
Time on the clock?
10:01
